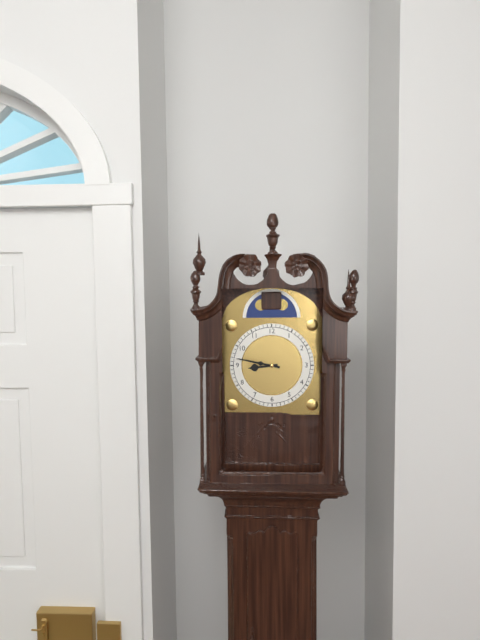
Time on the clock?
8:47
